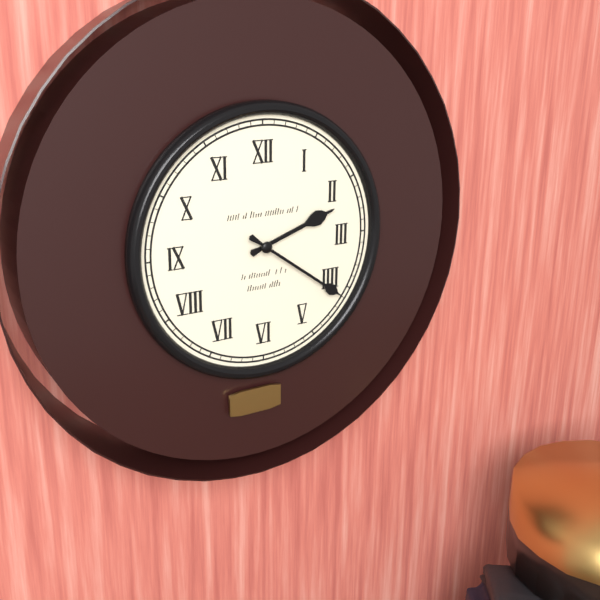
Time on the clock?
2:21
